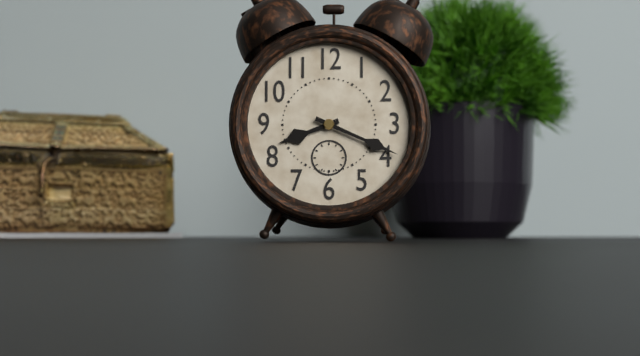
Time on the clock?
8:19
